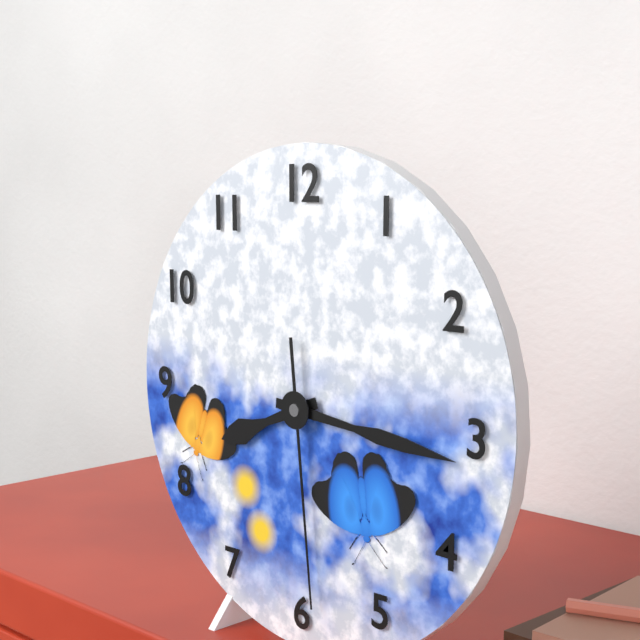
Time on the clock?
8:16:29
